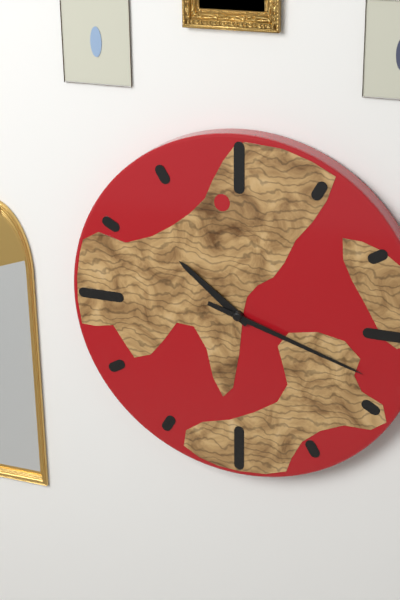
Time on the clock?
10:18
